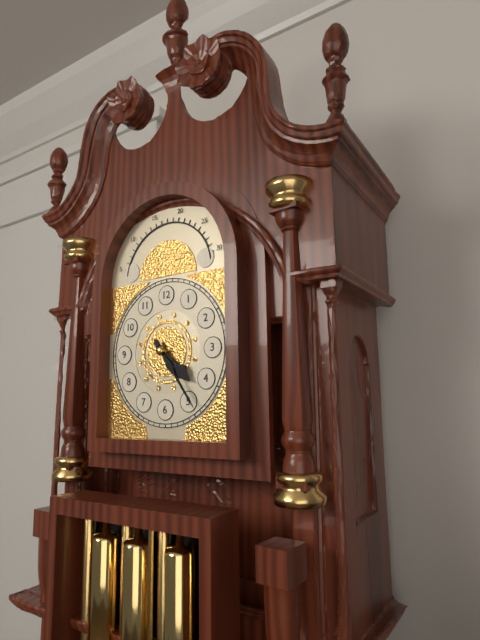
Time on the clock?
4:24
